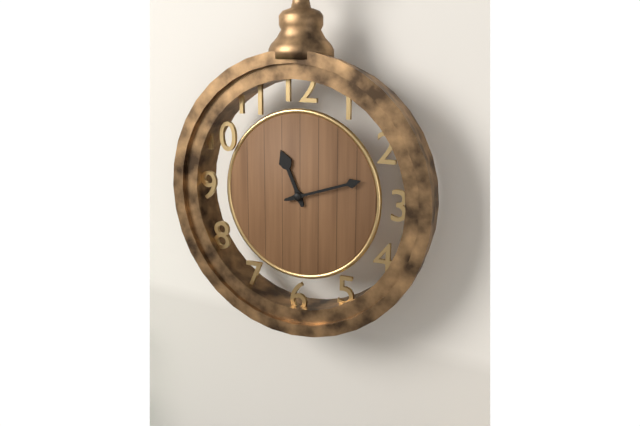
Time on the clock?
11:12
